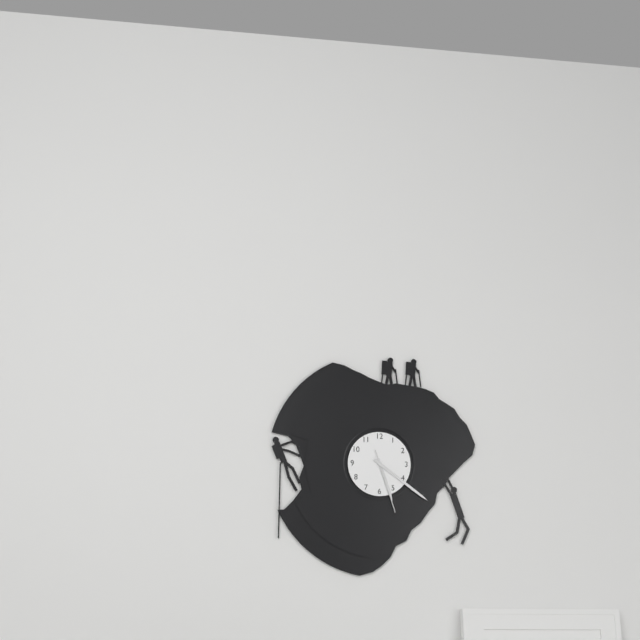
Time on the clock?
5:21:27
